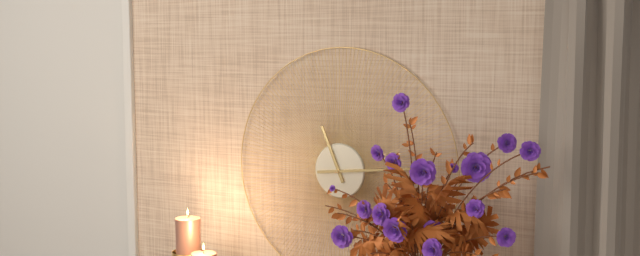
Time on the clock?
11:14
